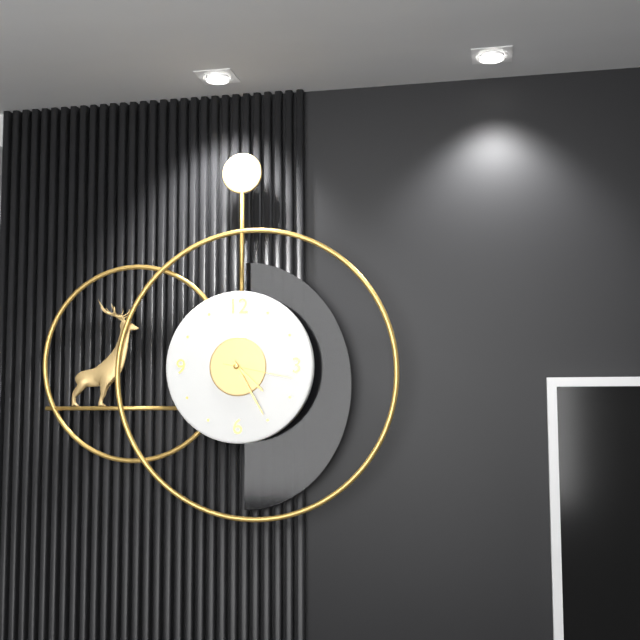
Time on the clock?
4:25:17
